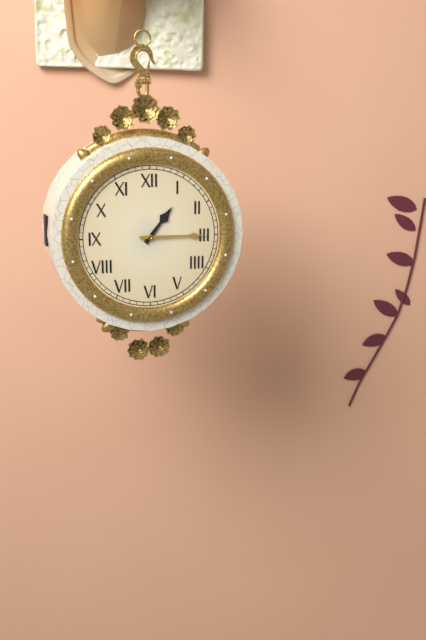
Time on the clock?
1:15
